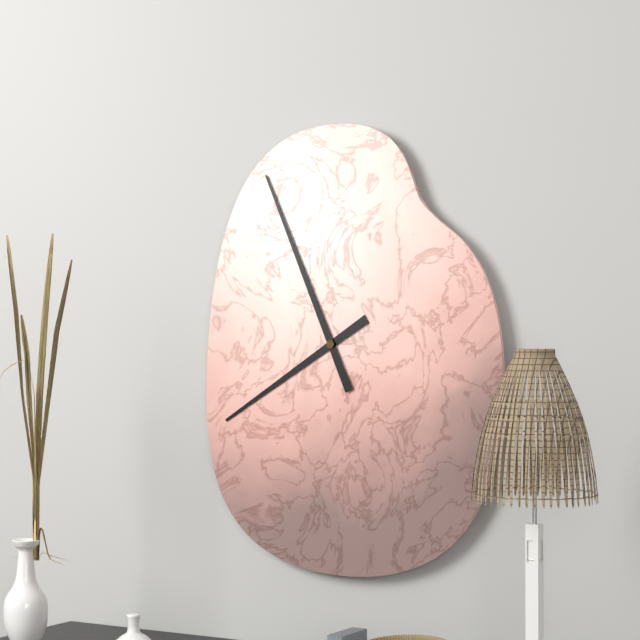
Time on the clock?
7:56
